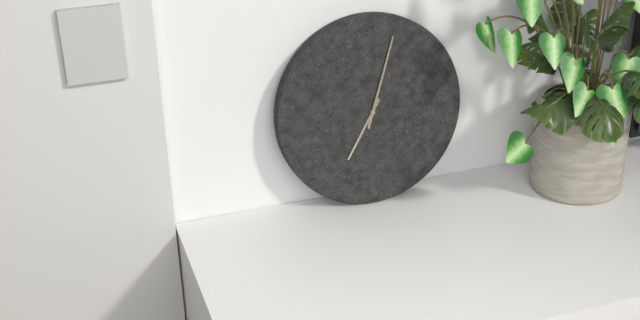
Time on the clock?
7:03
